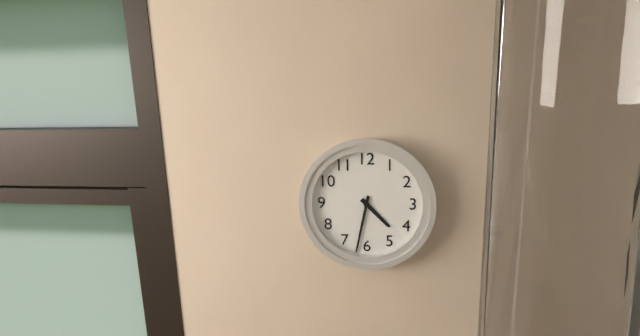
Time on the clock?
4:32
